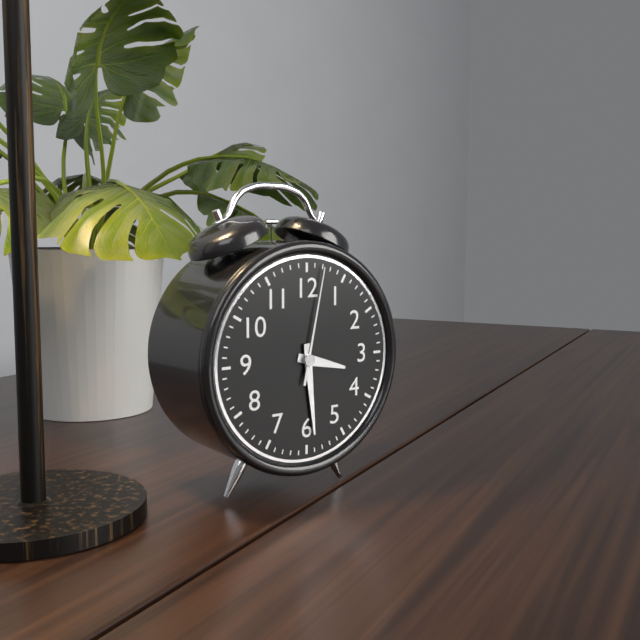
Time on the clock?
3:29:02
